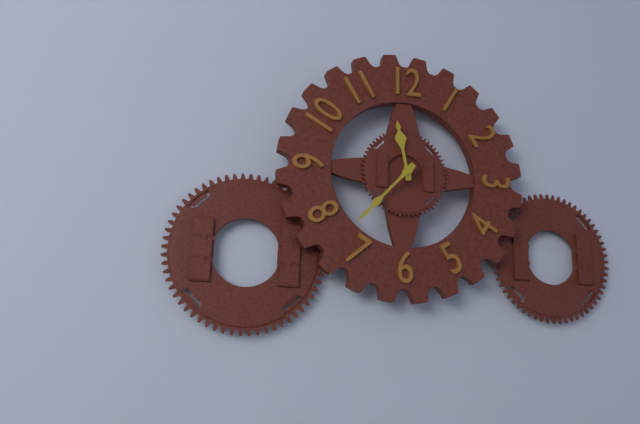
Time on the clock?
11:37
